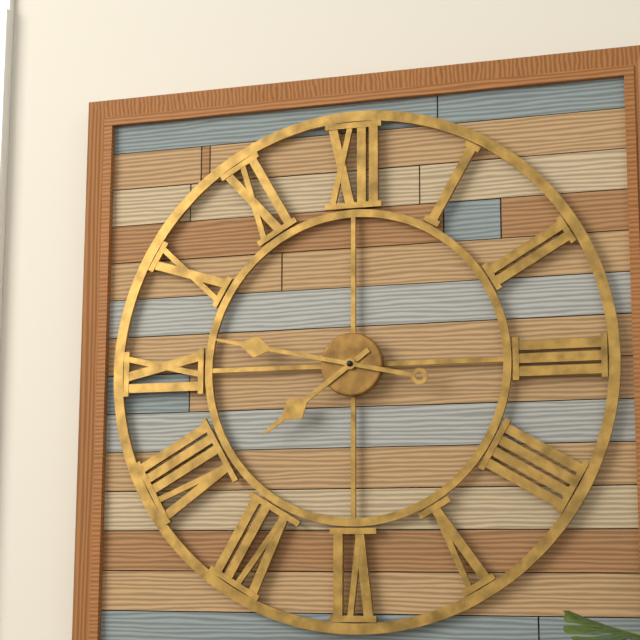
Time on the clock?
7:47
